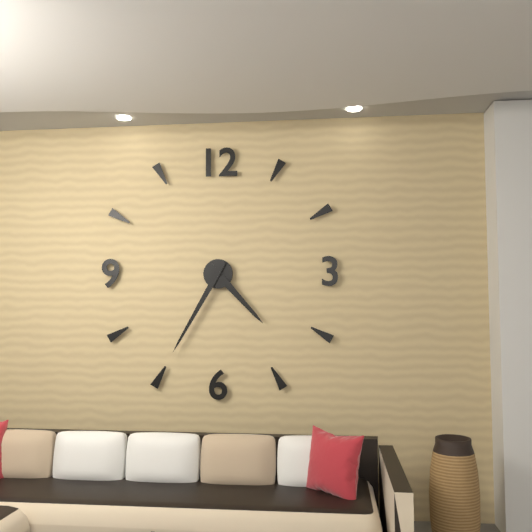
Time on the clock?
4:35
